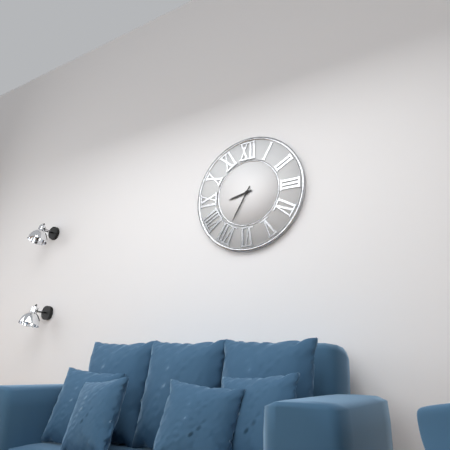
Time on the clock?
8:35
